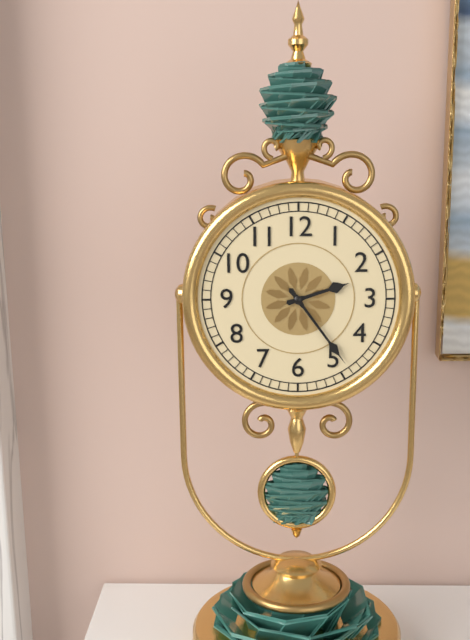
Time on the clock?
2:24
